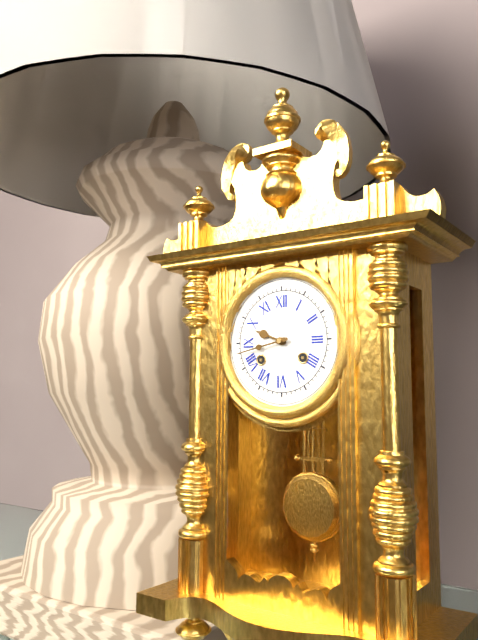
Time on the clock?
9:43
